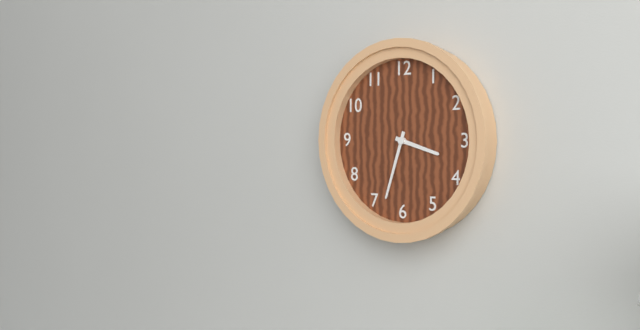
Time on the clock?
3:33
